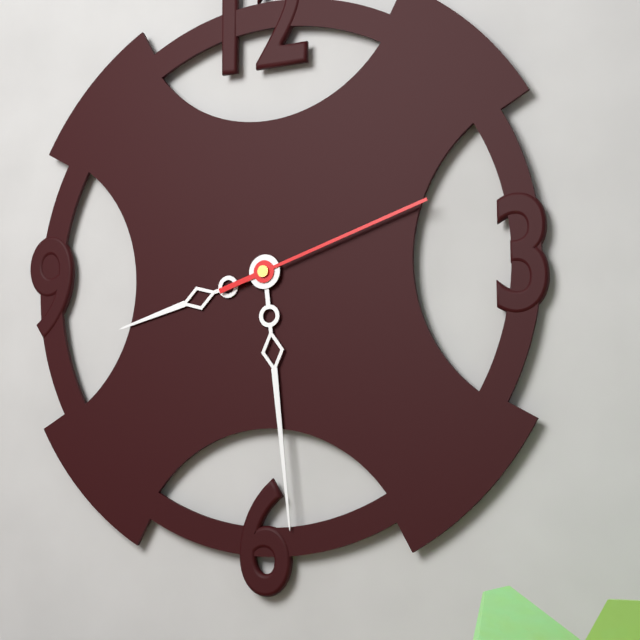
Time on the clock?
8:29:12
